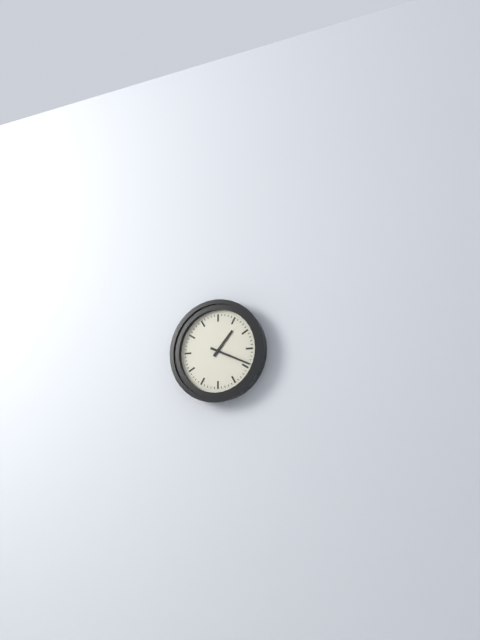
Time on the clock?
1:19
